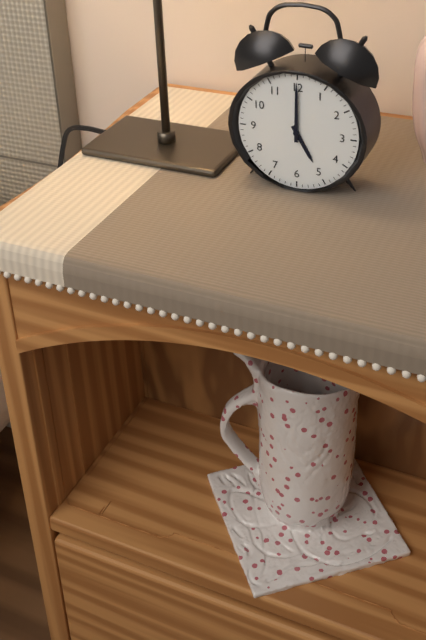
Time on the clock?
5:00
